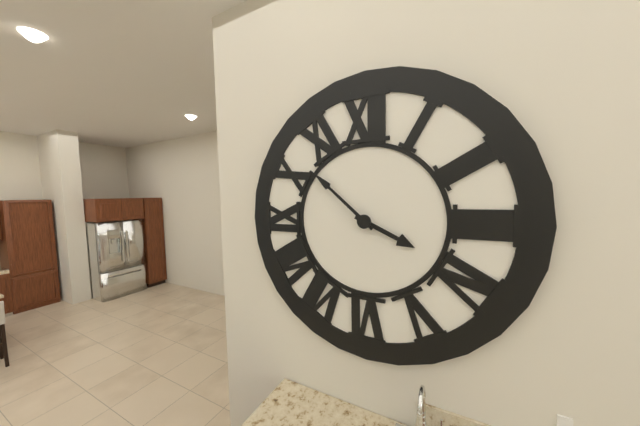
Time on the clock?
3:52
